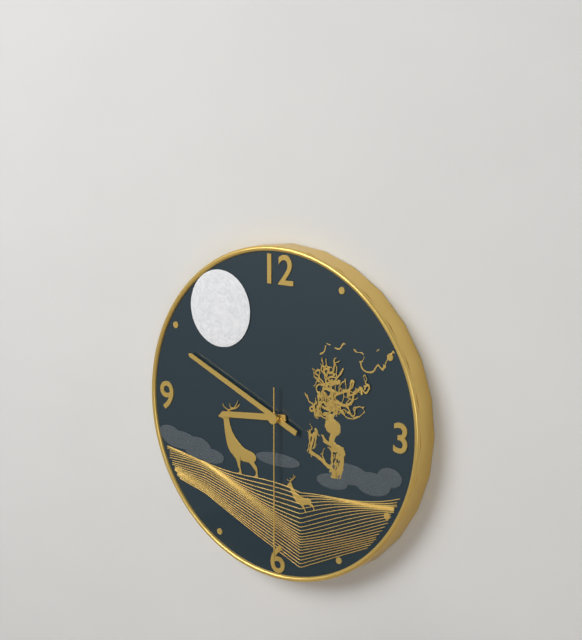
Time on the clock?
8:49:30
